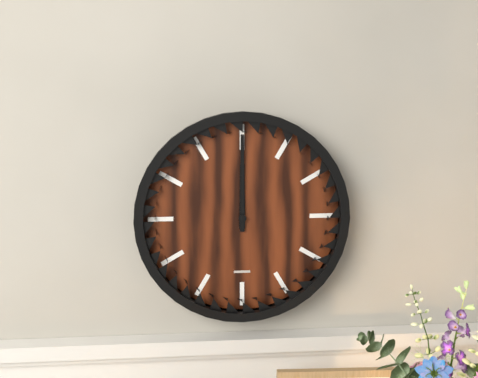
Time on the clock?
12:00
